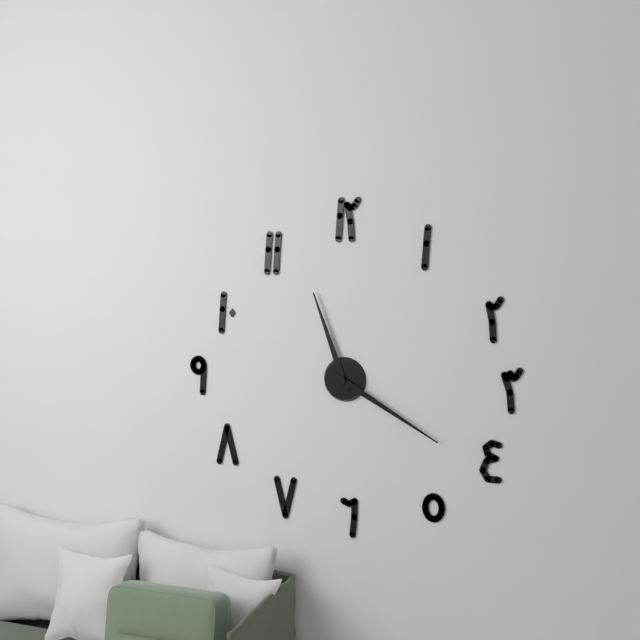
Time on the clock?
11:20
